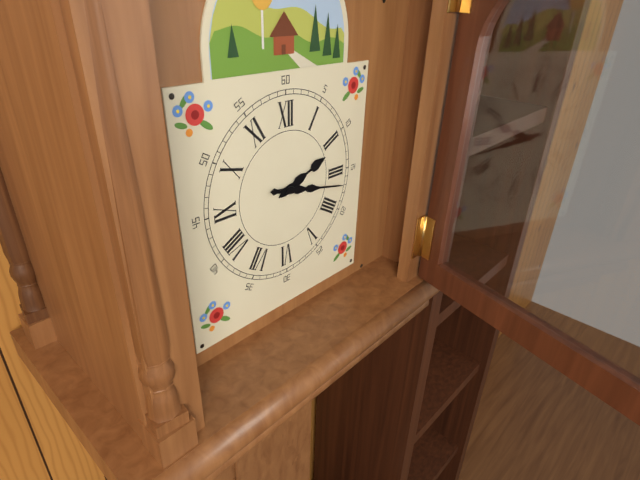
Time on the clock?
2:17
